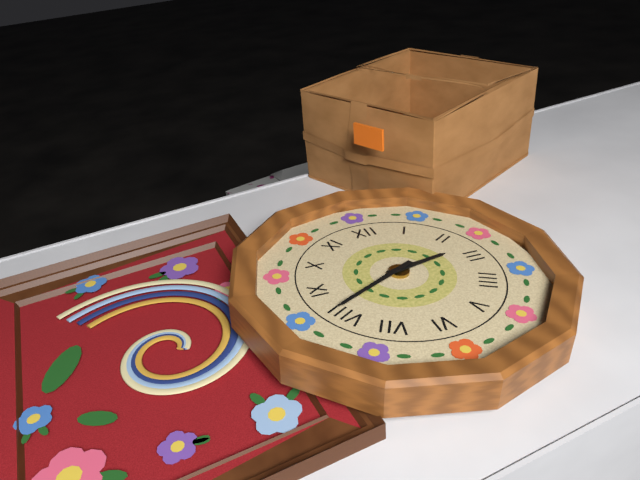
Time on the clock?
2:41
